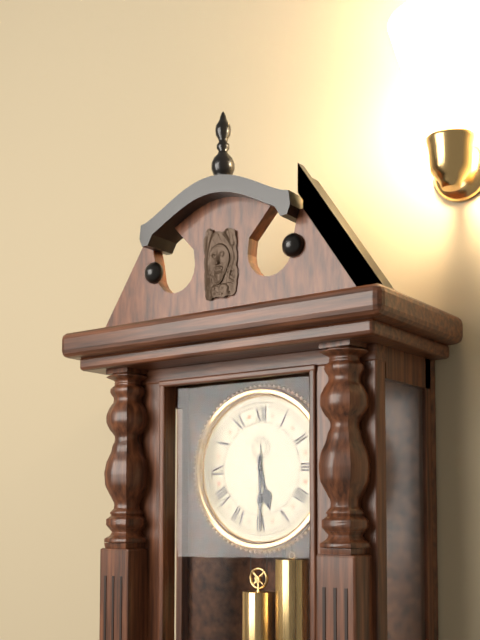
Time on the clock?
5:30
